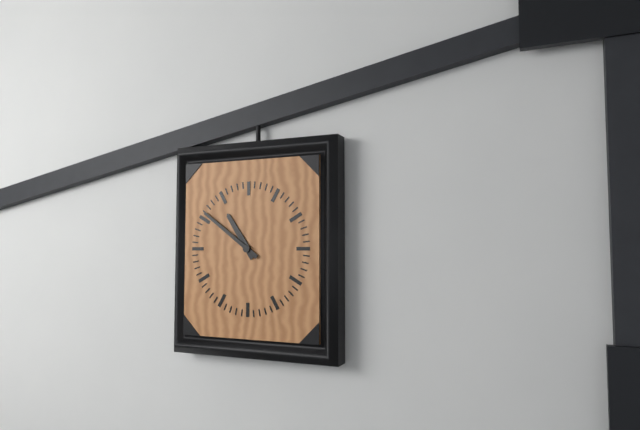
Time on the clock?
10:51
